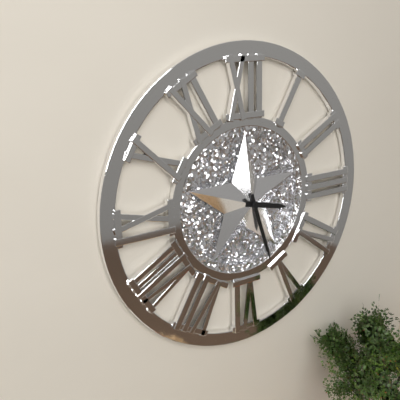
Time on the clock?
3:27
